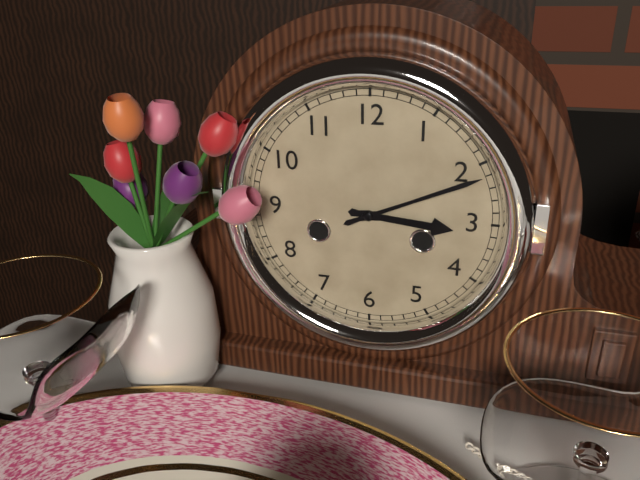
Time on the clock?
3:11
